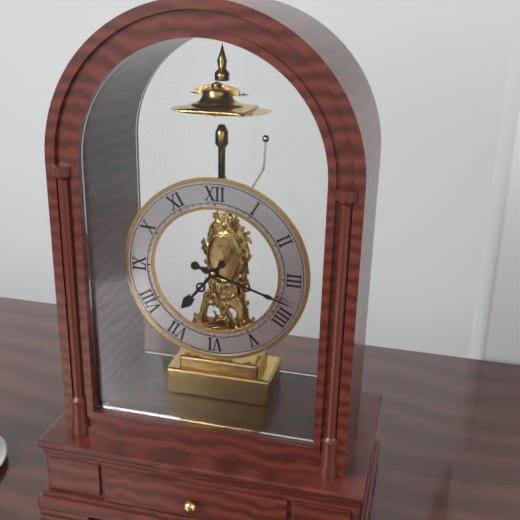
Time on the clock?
7:18
